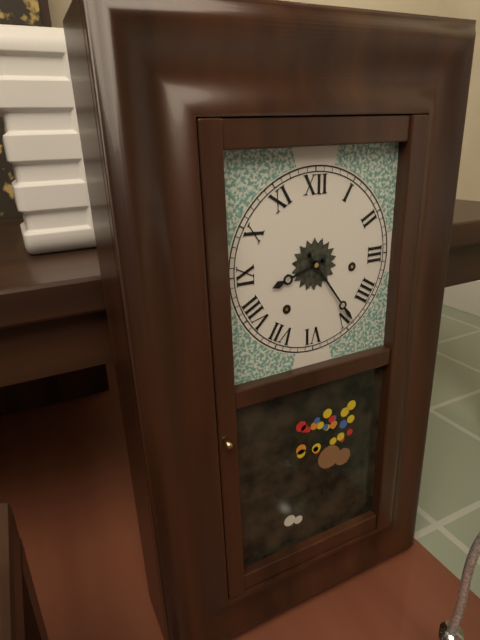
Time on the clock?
8:24
